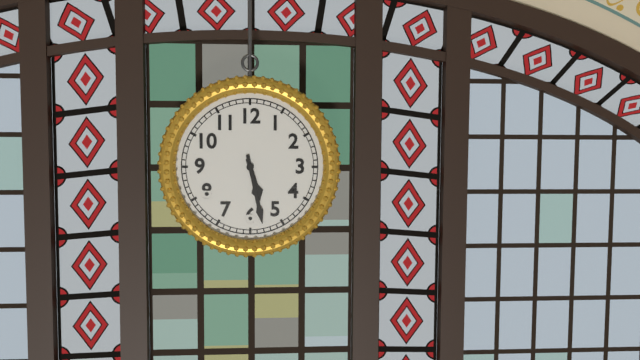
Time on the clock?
5:28
